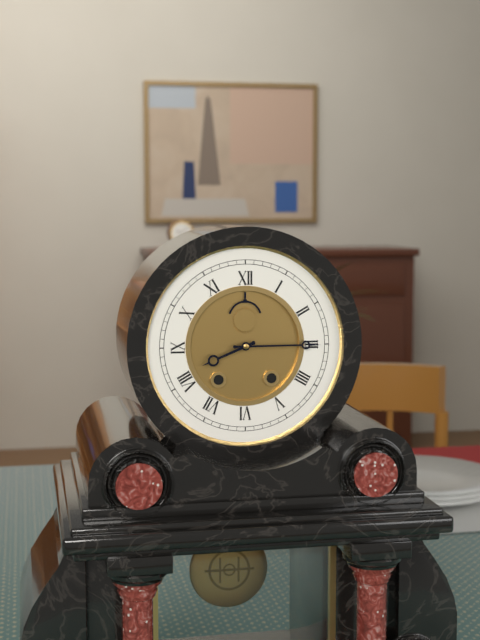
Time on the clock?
8:15
